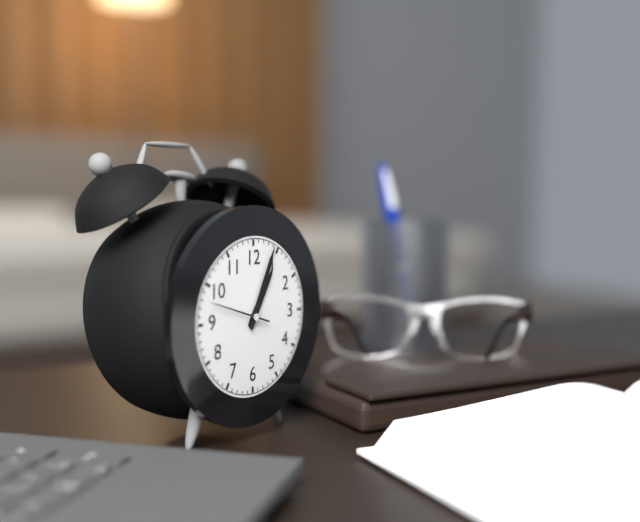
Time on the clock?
1:04:48
